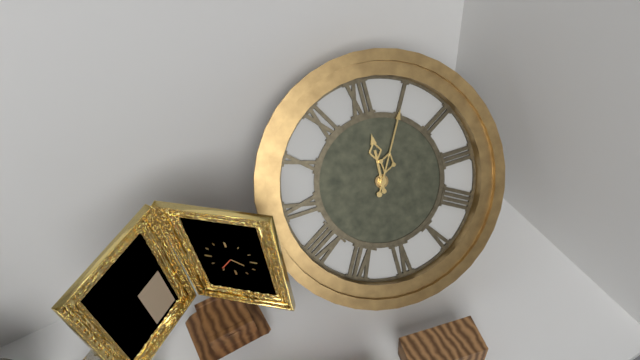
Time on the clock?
12:05
